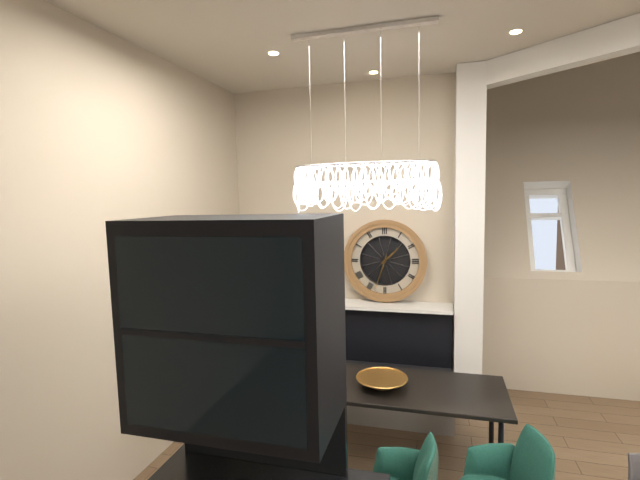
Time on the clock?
1:33
